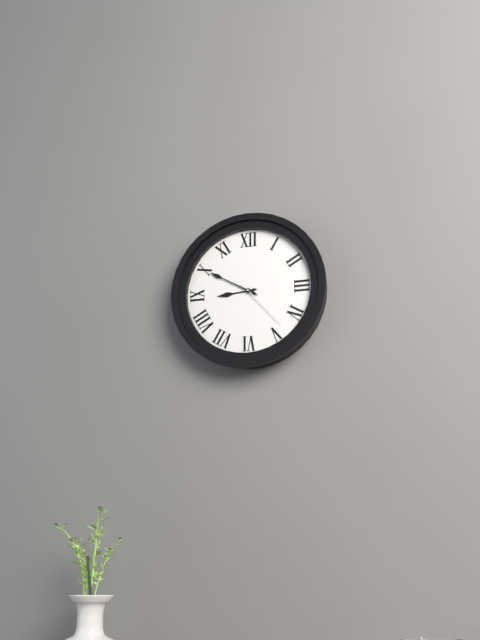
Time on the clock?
8:50:23
